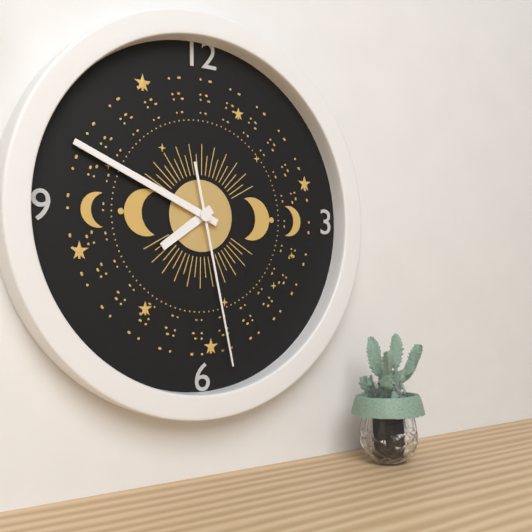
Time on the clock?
7:49:28
